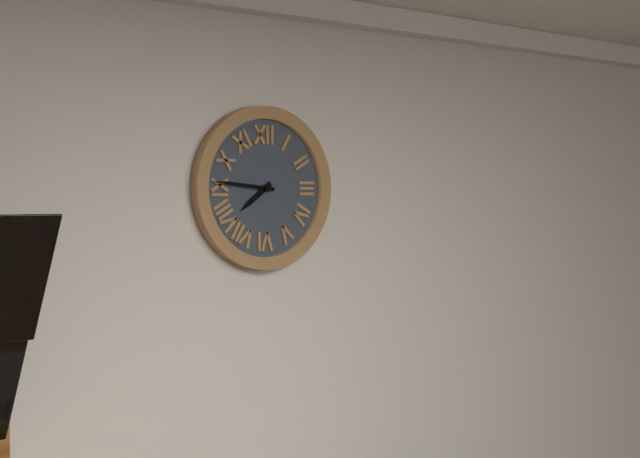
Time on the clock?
7:46
